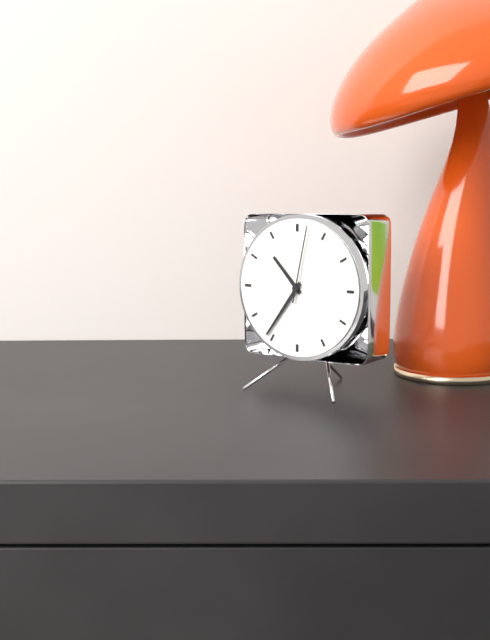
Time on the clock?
10:36:02
